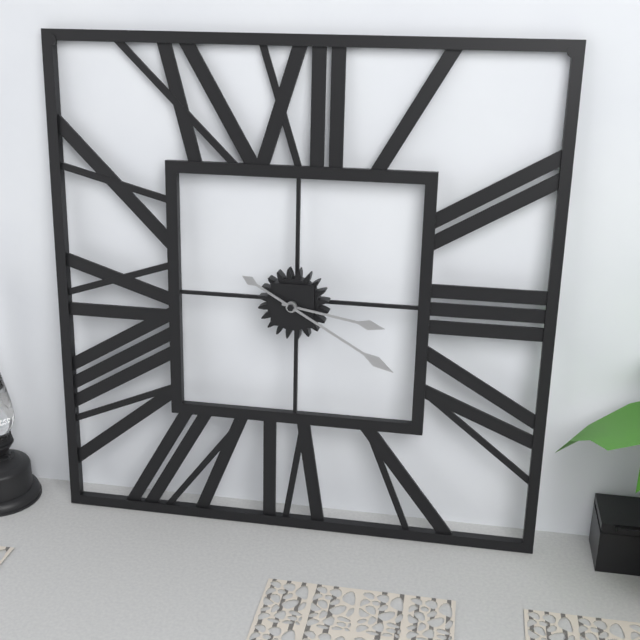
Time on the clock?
3:20
